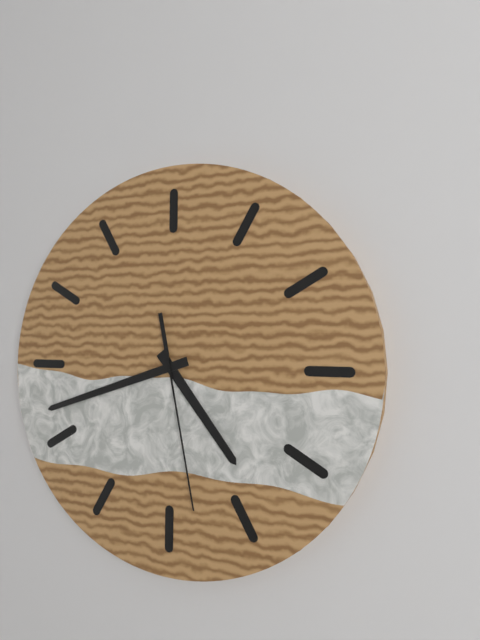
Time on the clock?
4:42:28
